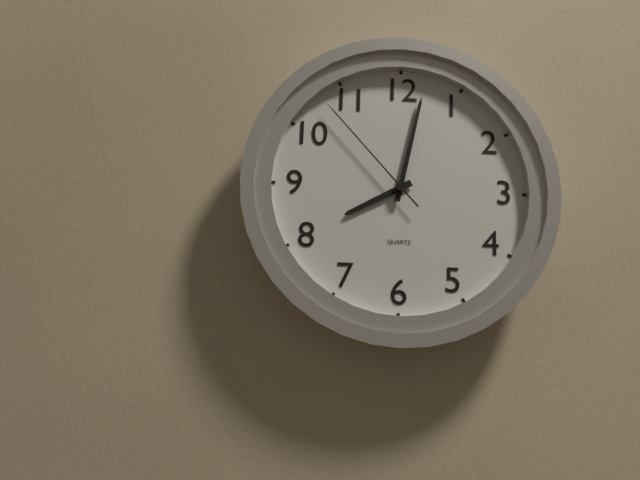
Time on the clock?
8:02:53
